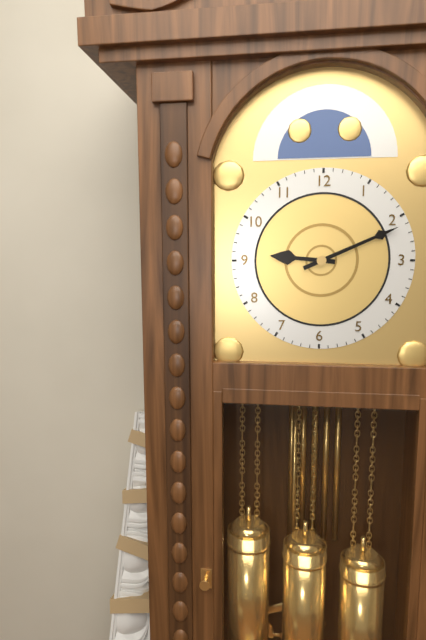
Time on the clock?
9:11
